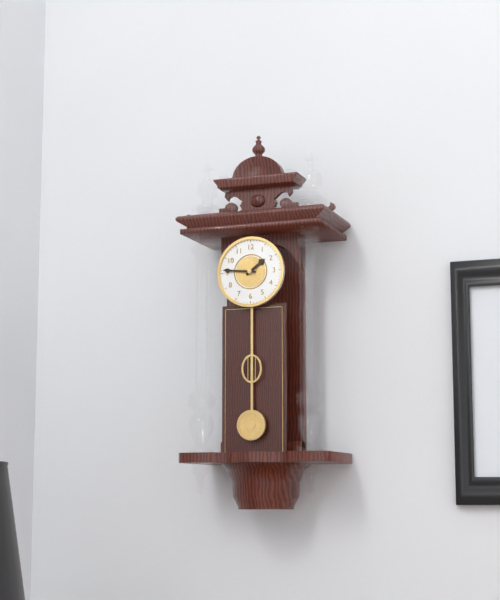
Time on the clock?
1:46
